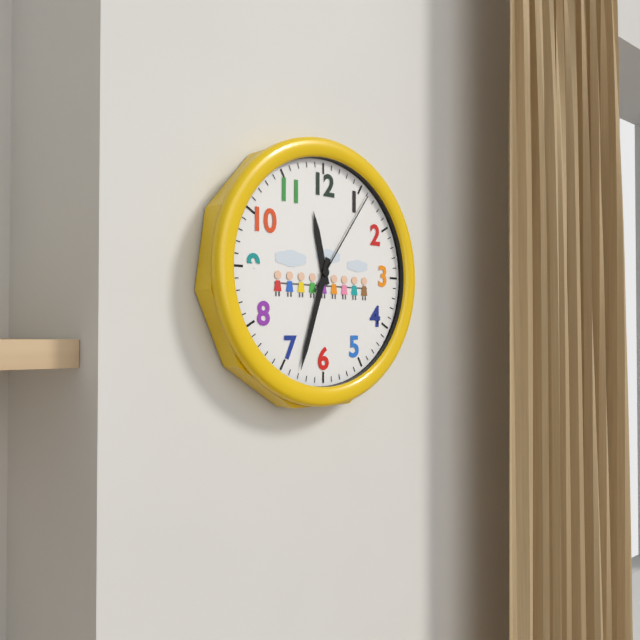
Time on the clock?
11:33:06
